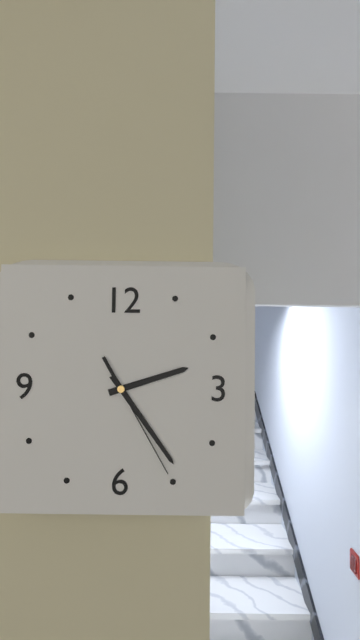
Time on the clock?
2:24:25
